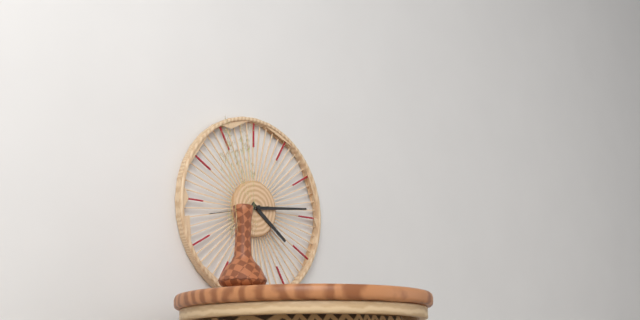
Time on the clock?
4:14:43
